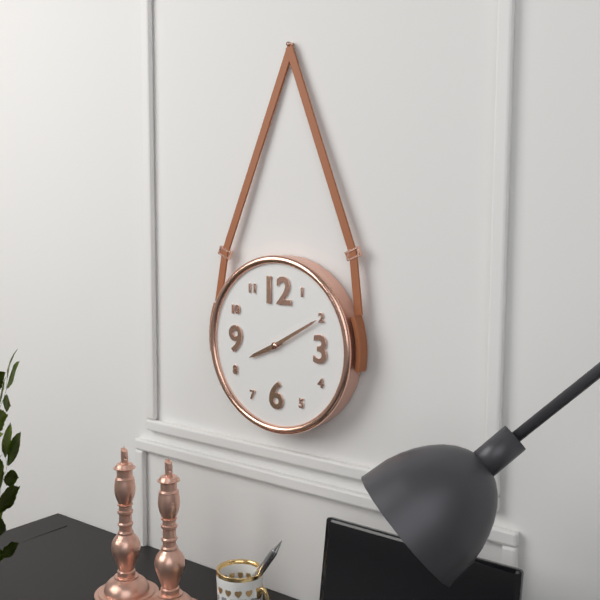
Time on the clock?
8:10
